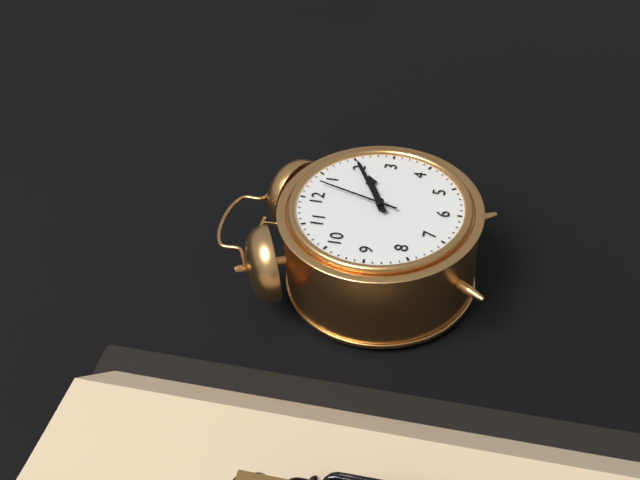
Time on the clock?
2:10:03
